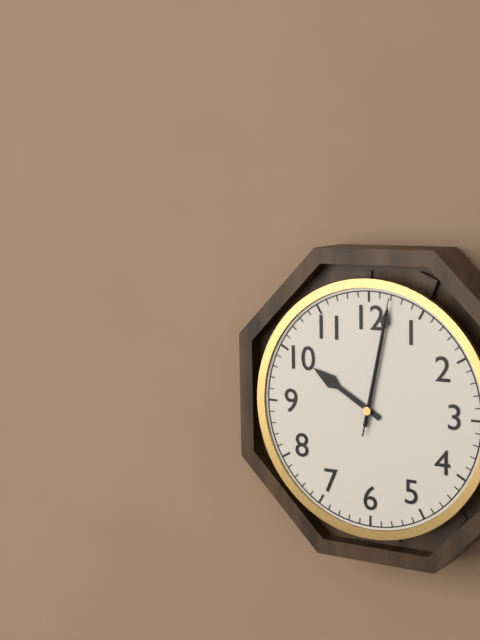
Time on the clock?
10:02:02
